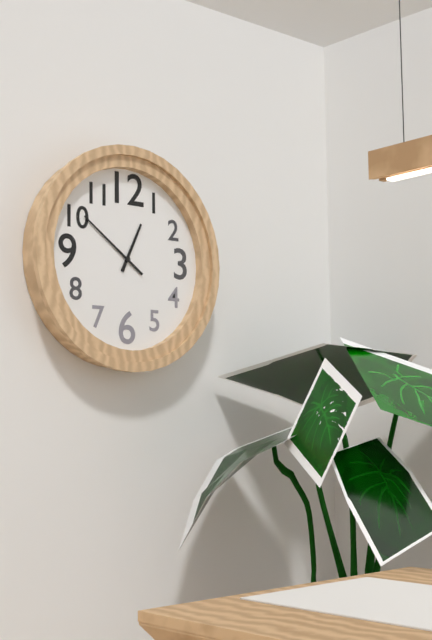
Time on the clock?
12:51
